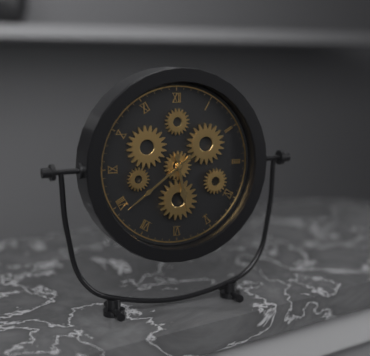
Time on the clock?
5:39
